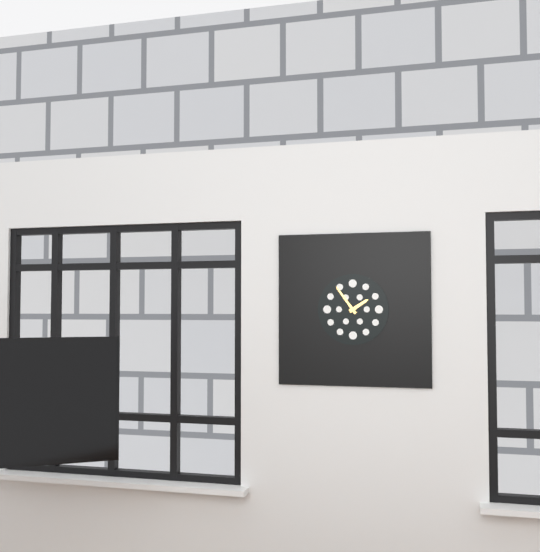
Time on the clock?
1:54
